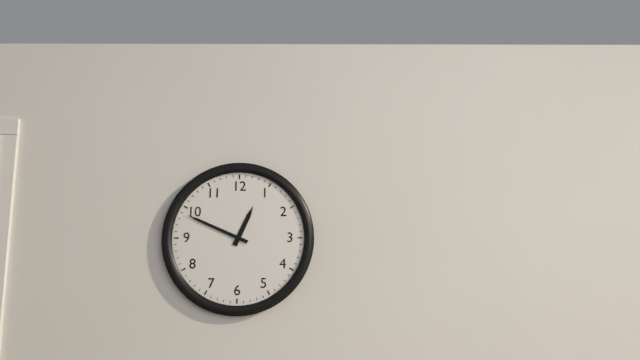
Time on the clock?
12:49
